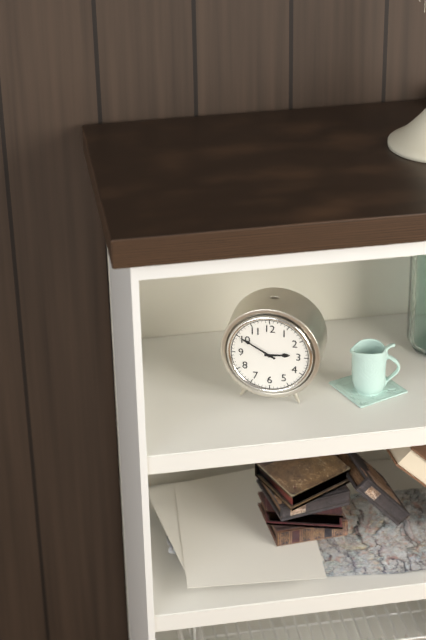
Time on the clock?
2:50
